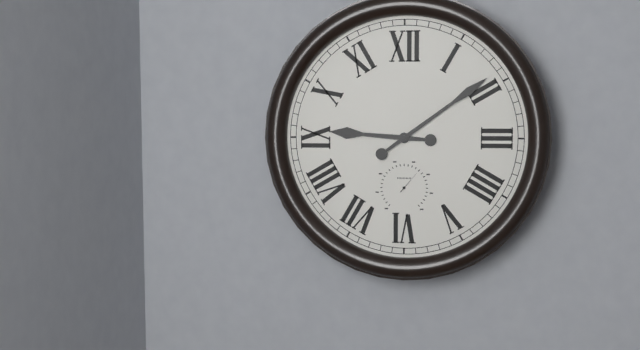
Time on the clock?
9:09
